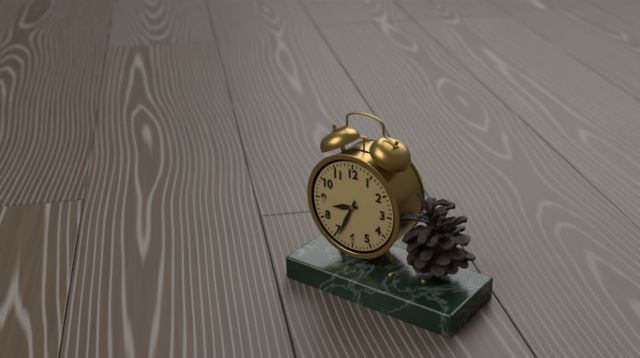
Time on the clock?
8:34
